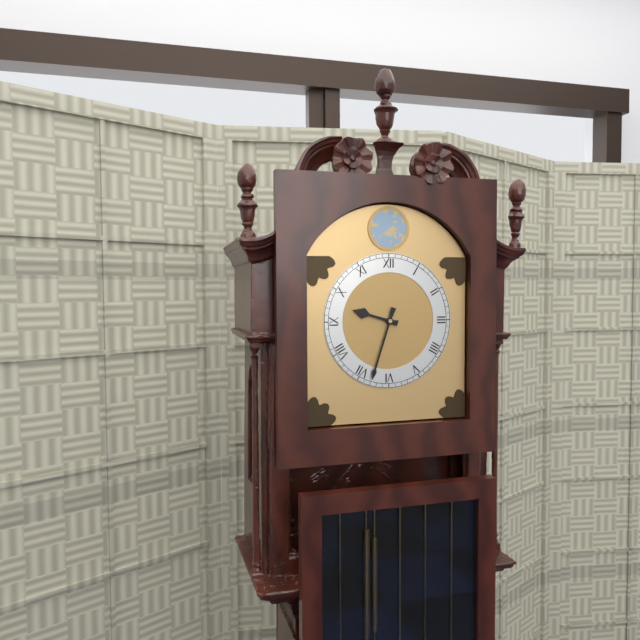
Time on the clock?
9:33
